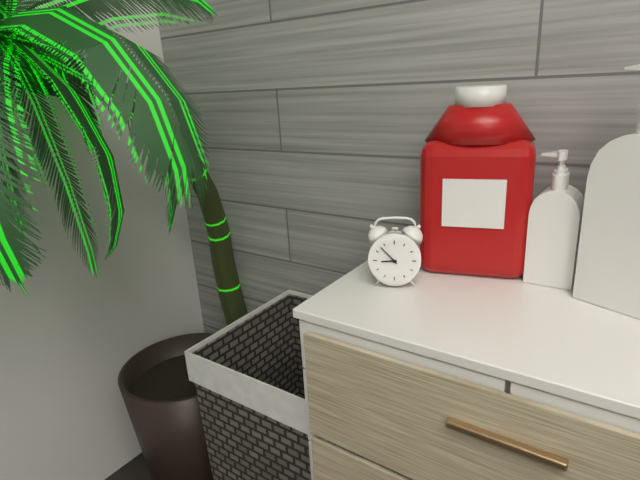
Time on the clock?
8:53
